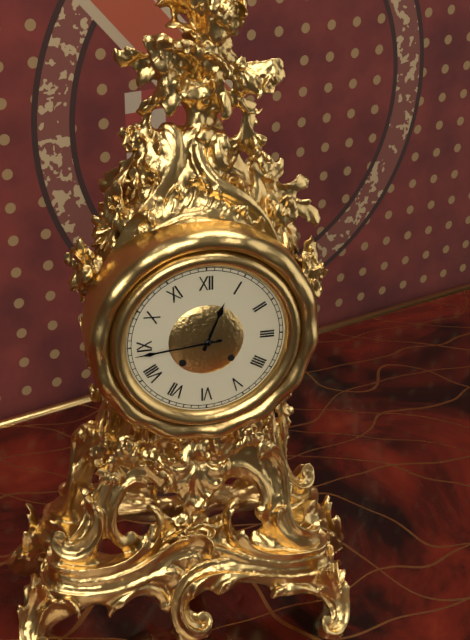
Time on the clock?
12:44
